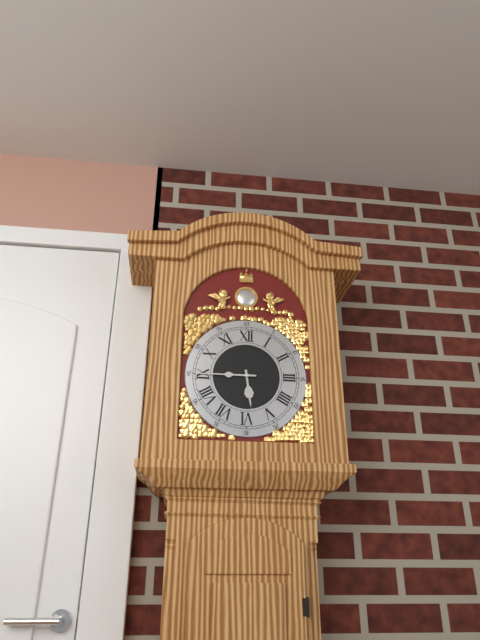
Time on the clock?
5:45
